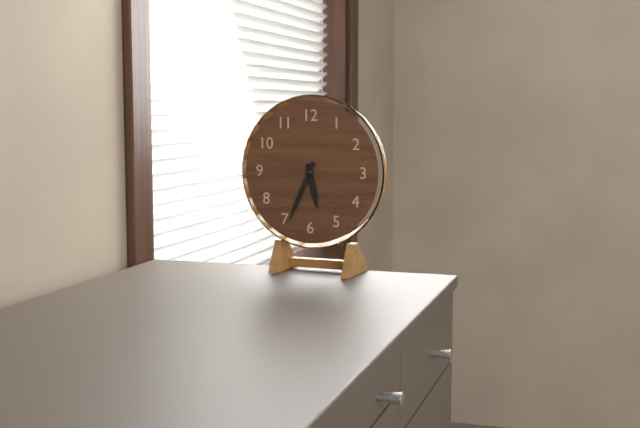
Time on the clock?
5:34
